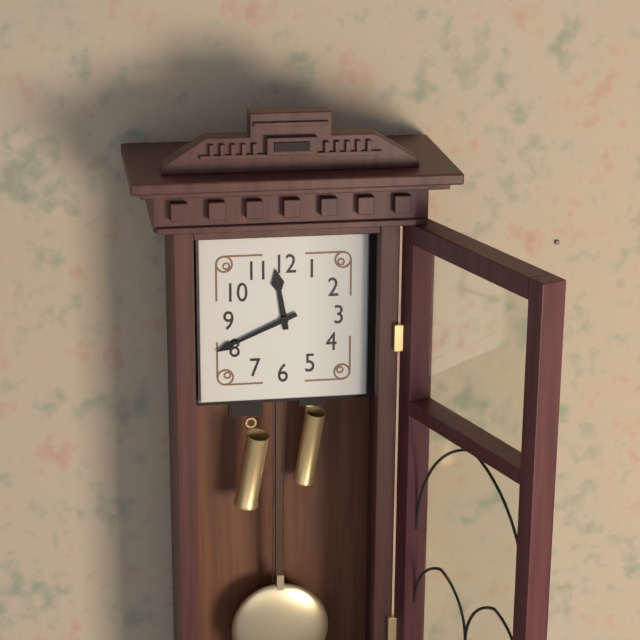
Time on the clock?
11:41
